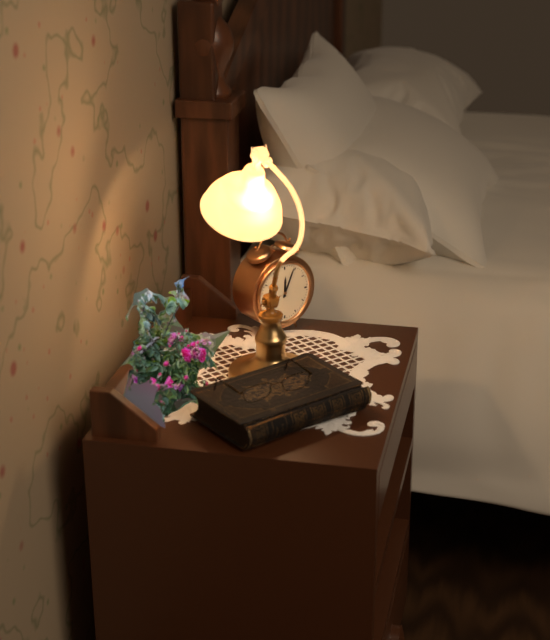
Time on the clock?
12:04
